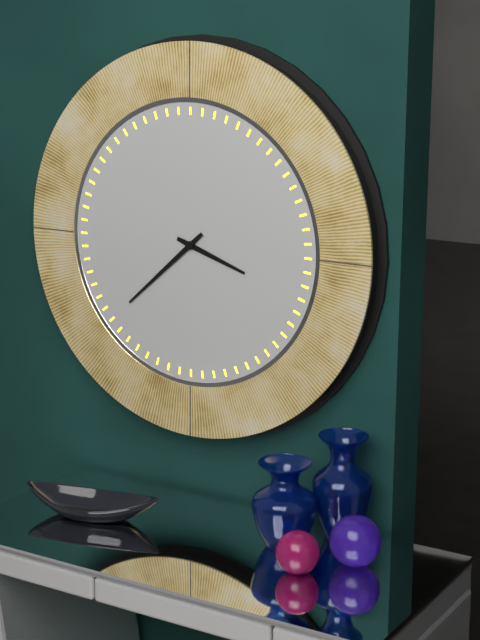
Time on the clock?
3:38
